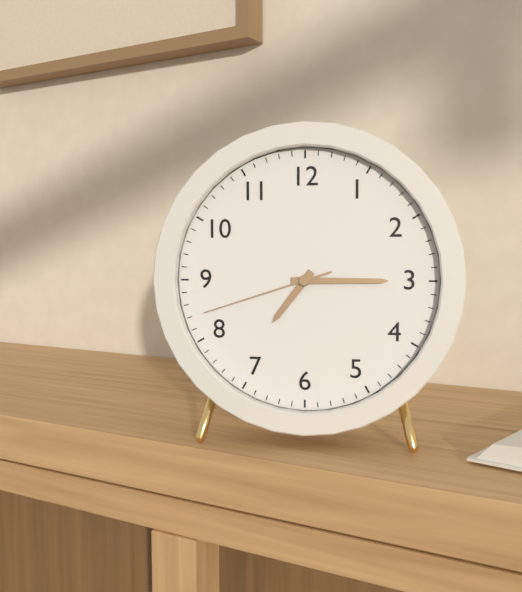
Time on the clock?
7:15:42
